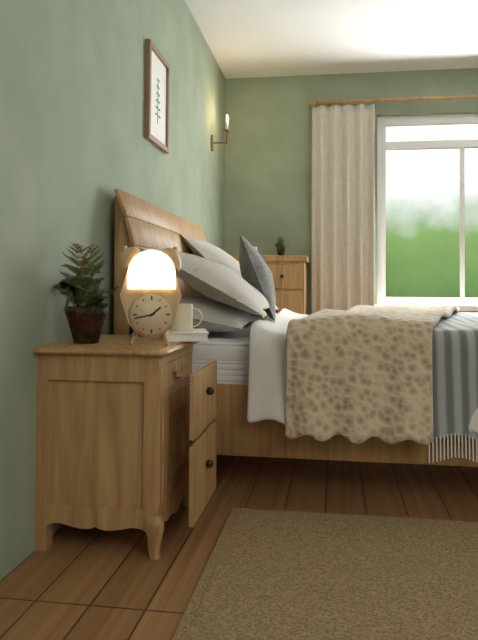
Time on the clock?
1:43
